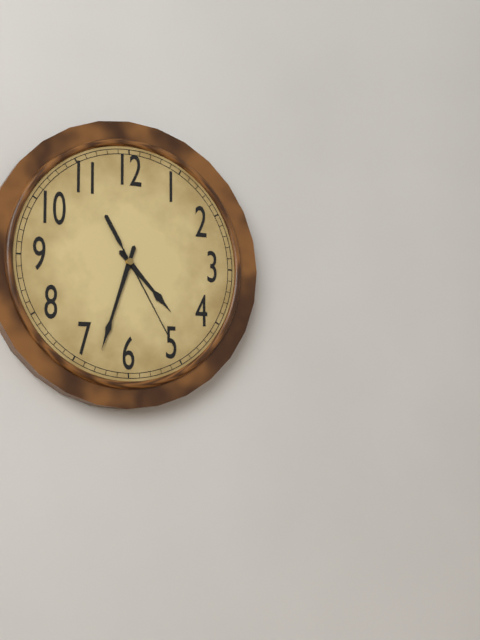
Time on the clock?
4:33:25
